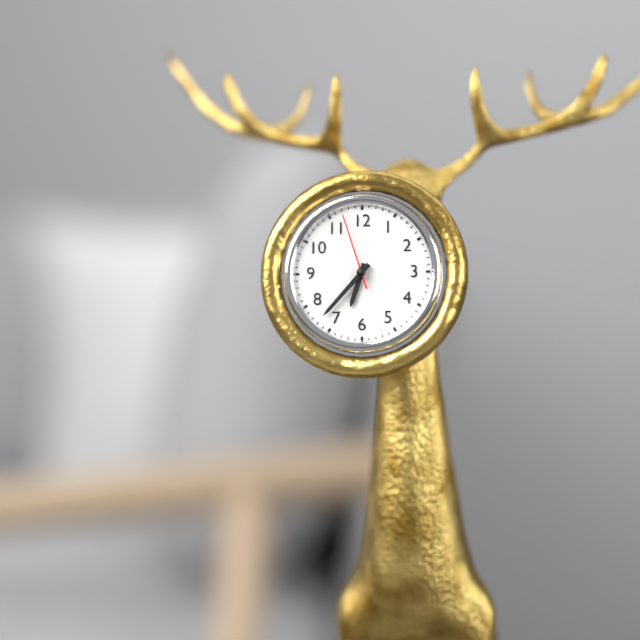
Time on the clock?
6:37:57
